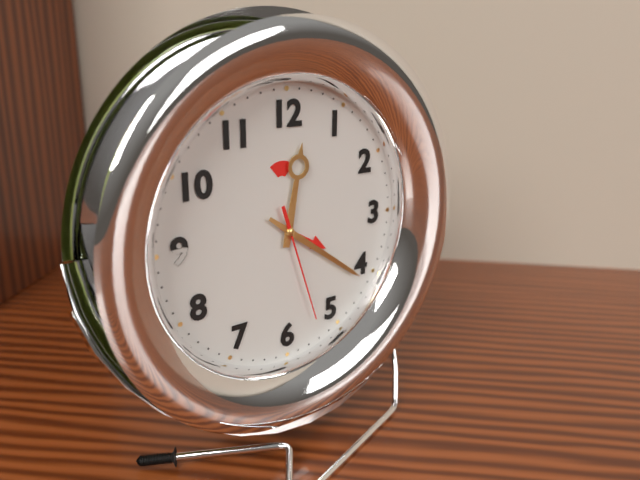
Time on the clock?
12:21:27
